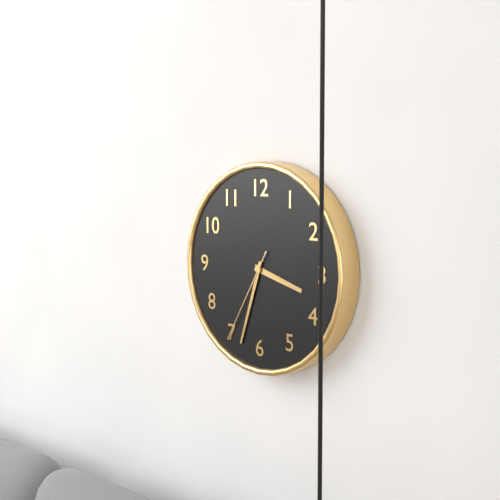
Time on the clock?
3:33:35
